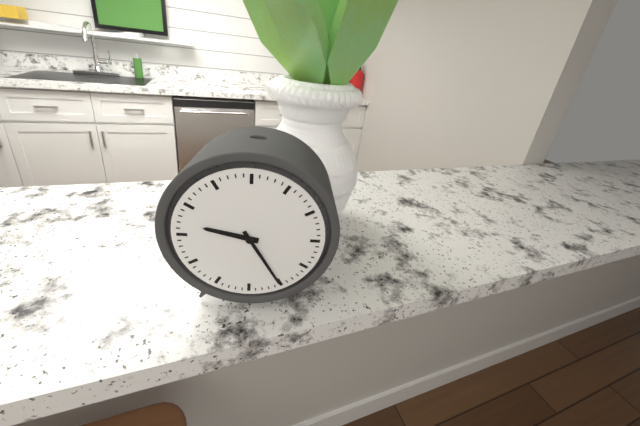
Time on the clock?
9:25
